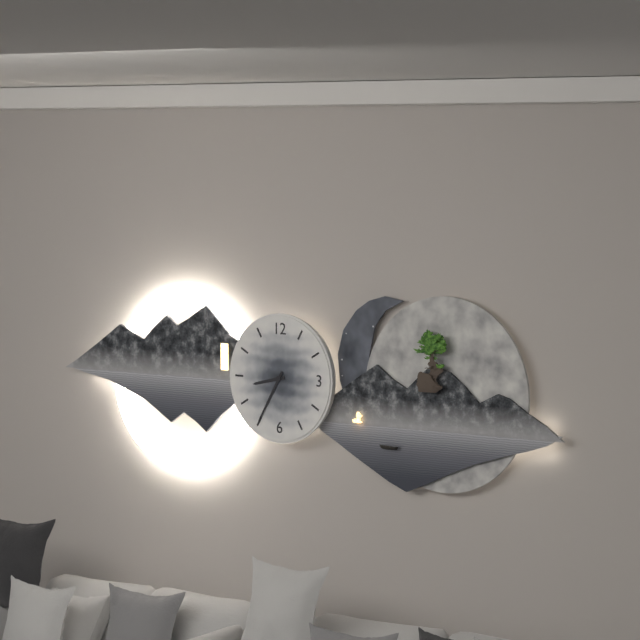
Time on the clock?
8:35
